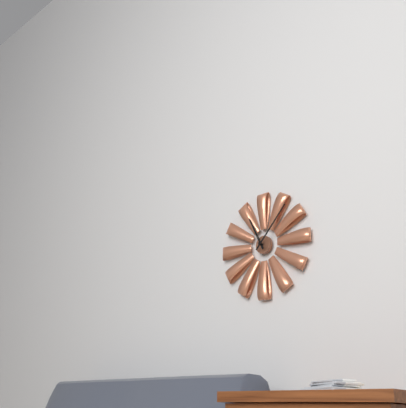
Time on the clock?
11:07
